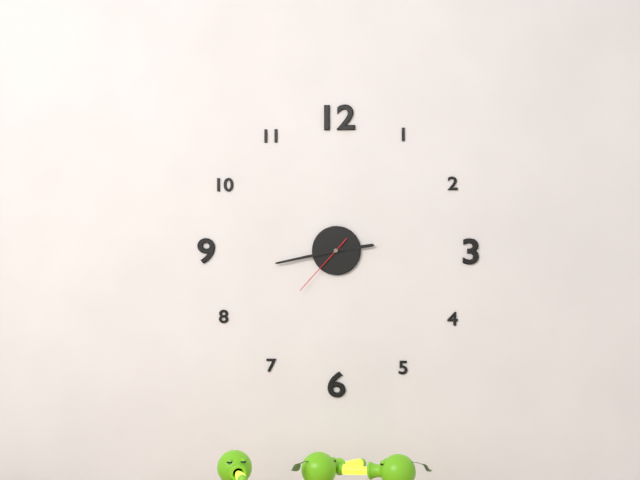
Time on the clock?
2:43:37
